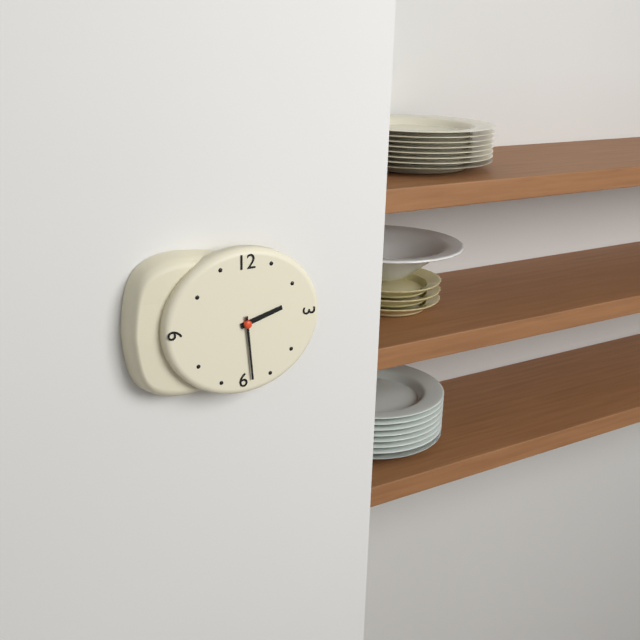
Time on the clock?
2:29
